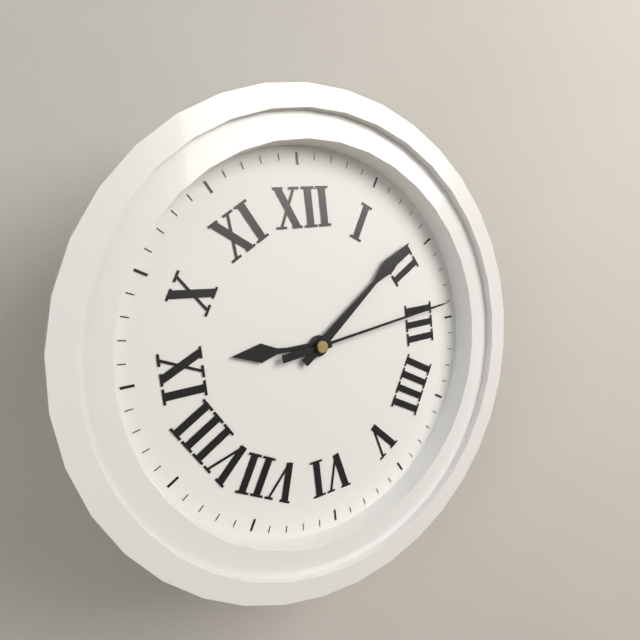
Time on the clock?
9:09:14
